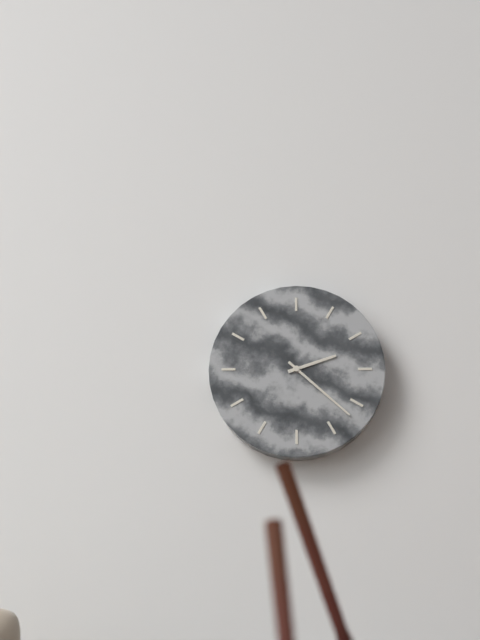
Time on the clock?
2:22
